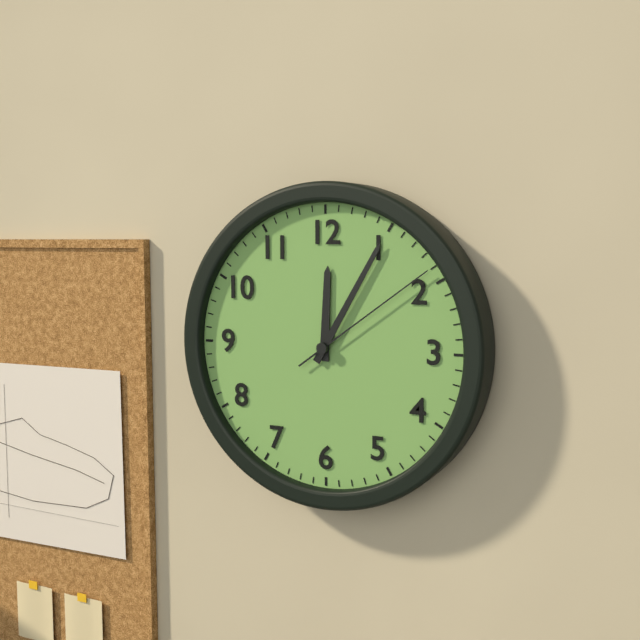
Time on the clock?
12:05:09
